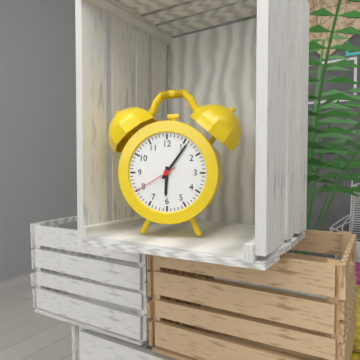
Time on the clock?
6:06
